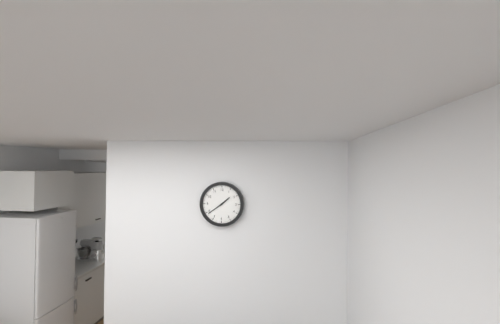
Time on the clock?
1:39
